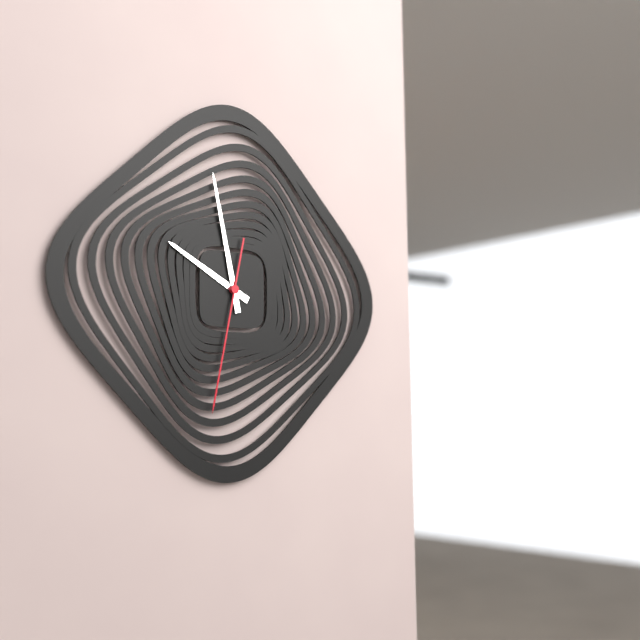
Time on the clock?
9:58:32
